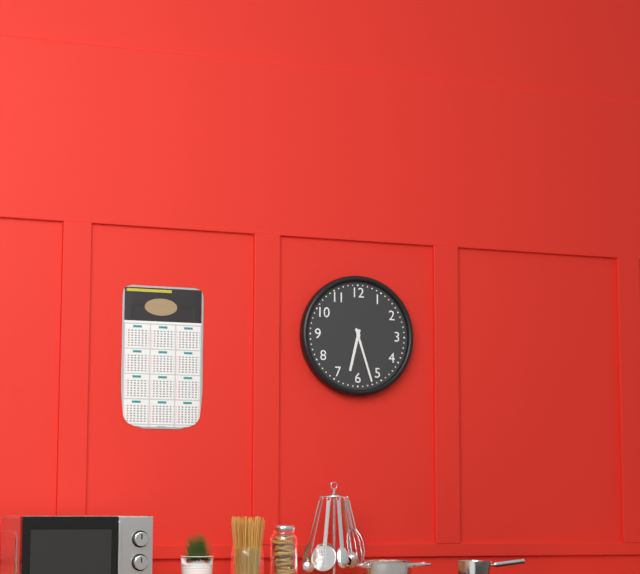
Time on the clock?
6:27
